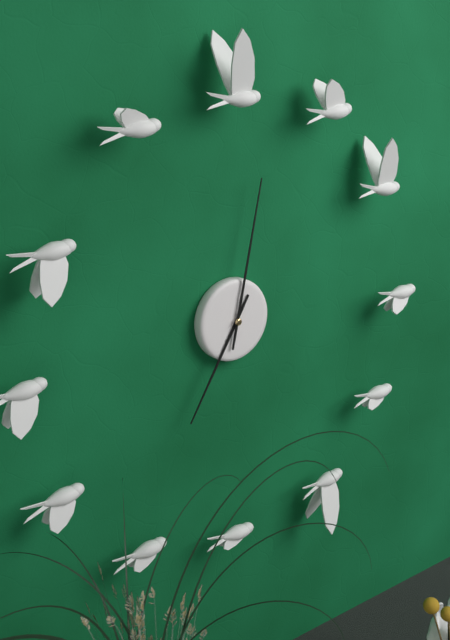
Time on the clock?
7:02
